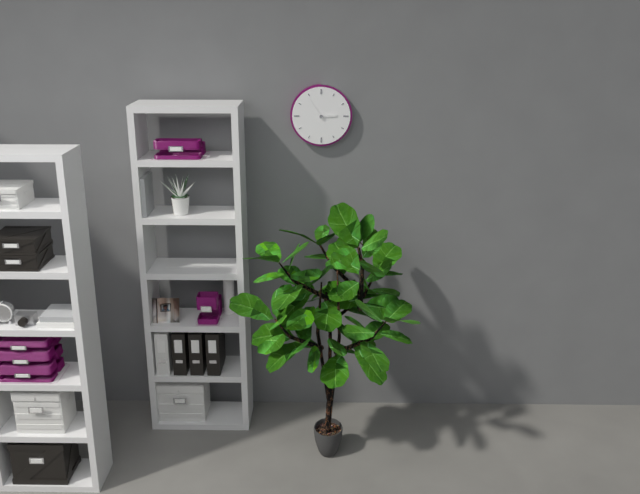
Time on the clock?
2:54
